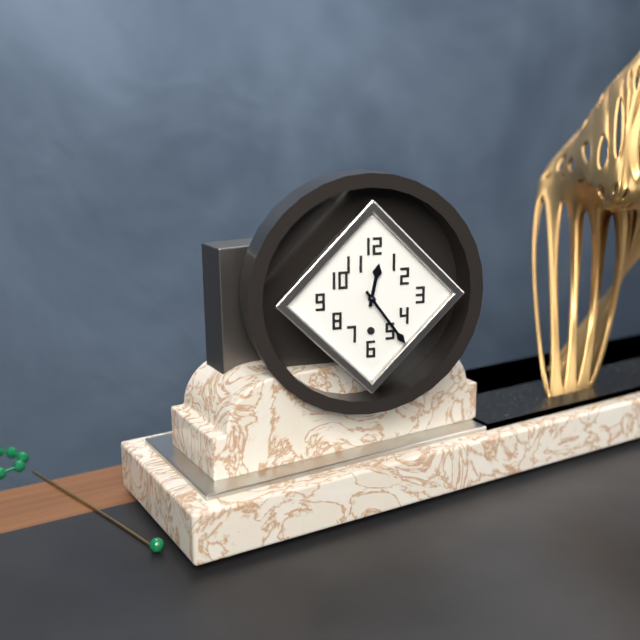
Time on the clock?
12:24
